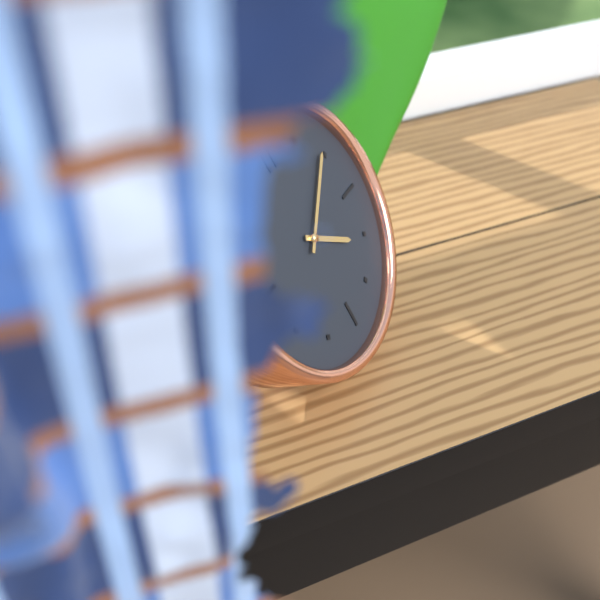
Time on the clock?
4:09
